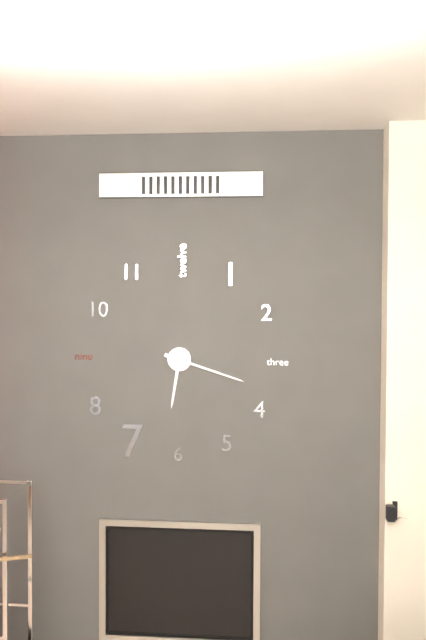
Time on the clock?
6:18
